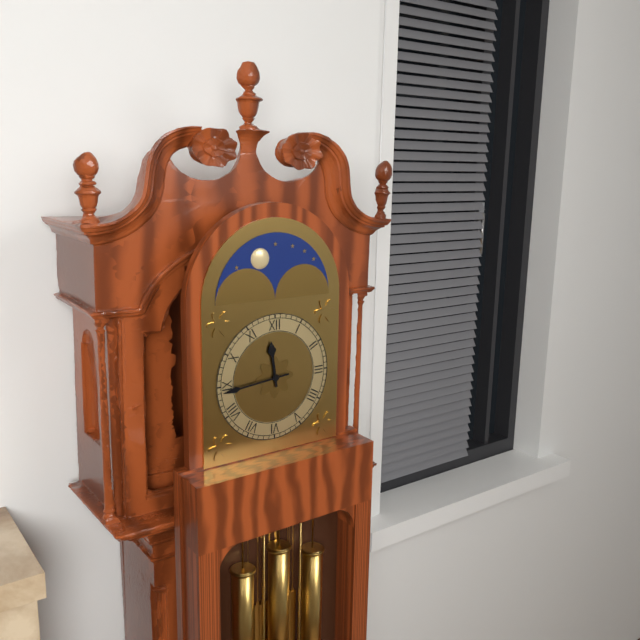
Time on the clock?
11:44
